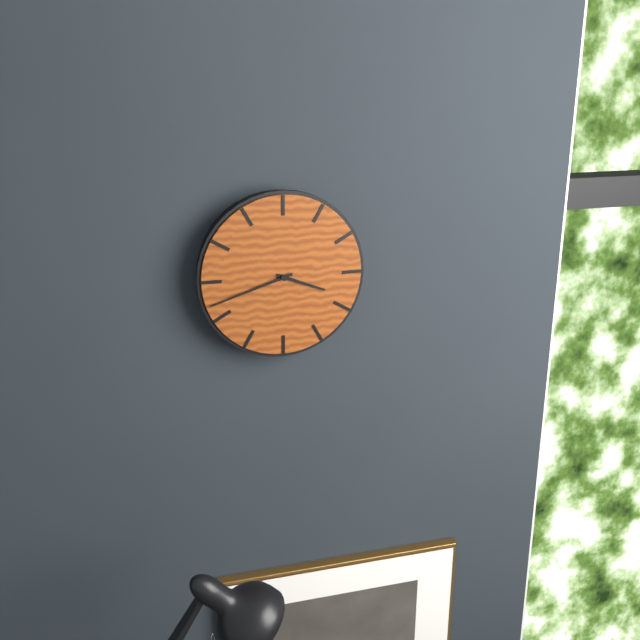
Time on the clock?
3:42
